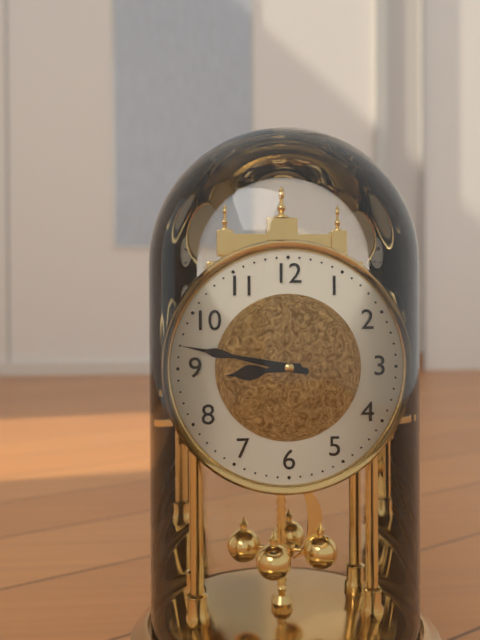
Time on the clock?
8:47
